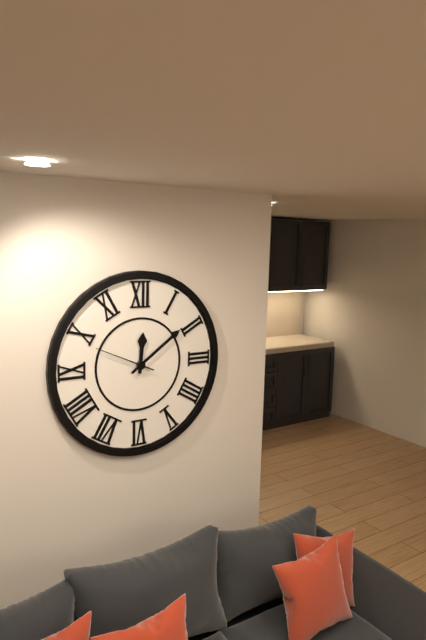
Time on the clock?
12:09:49
